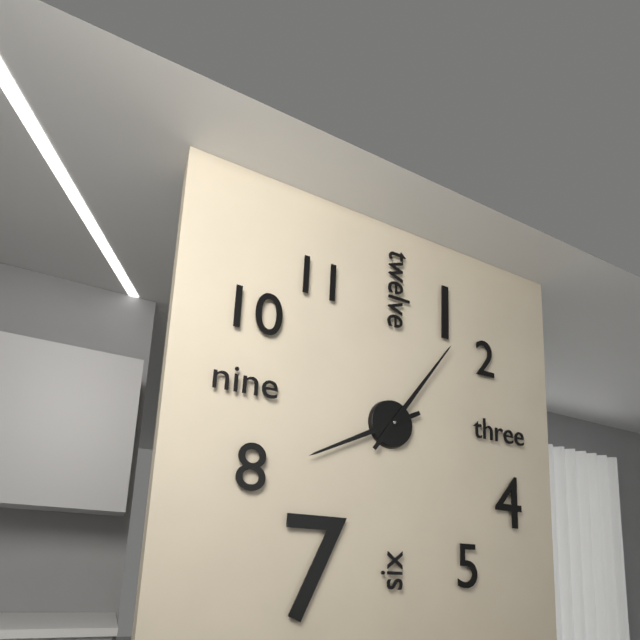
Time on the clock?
8:06
